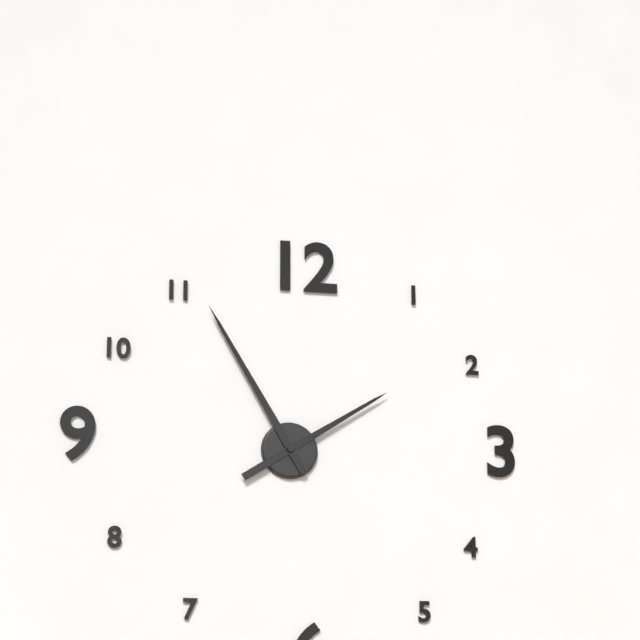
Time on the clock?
1:55
